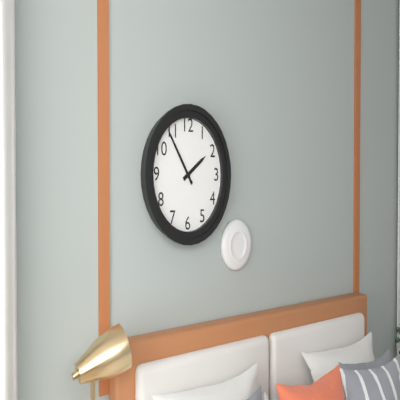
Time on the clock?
1:54
